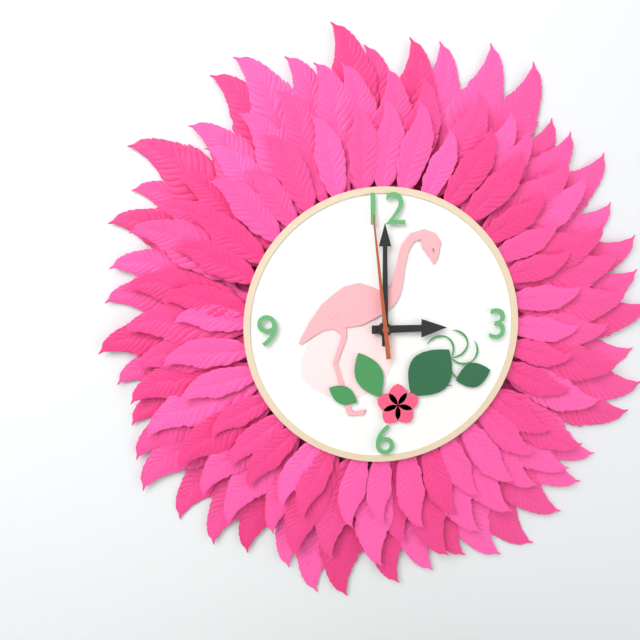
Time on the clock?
3:00:59
